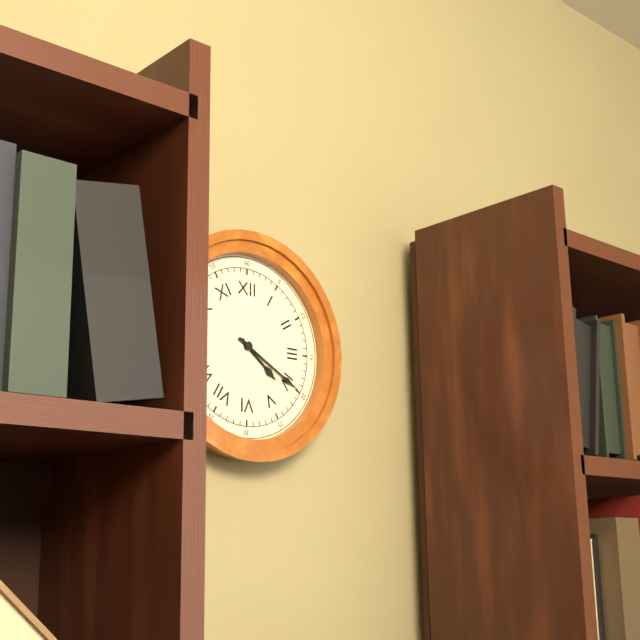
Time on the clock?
4:20
